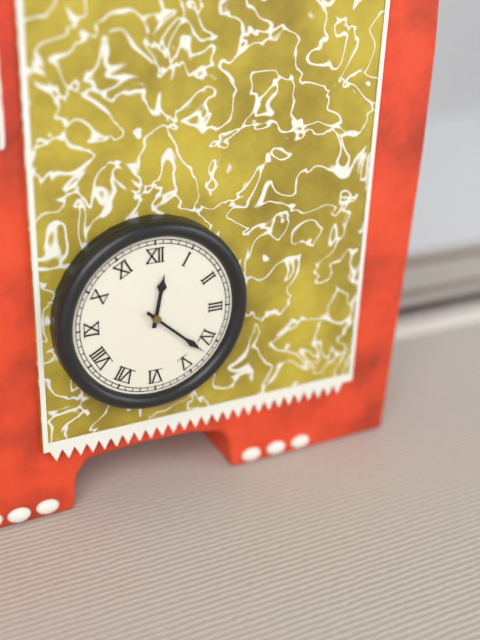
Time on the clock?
12:22
